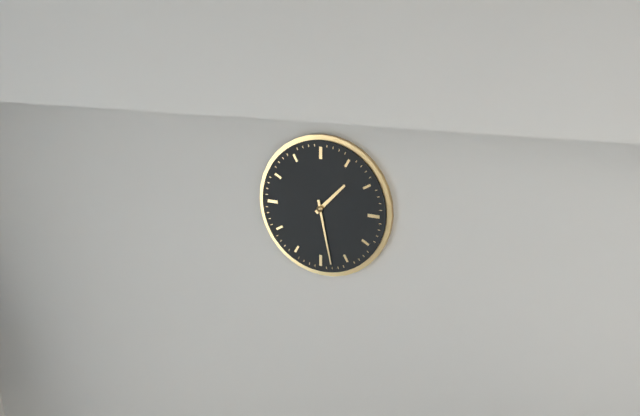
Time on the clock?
1:28
